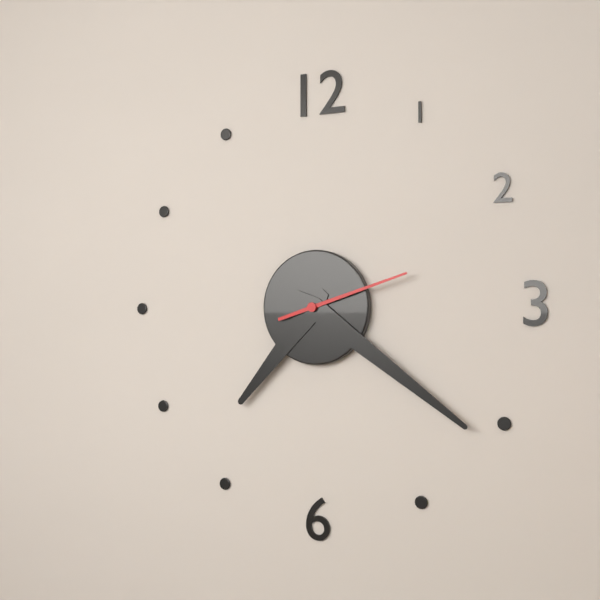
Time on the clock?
7:21:12
